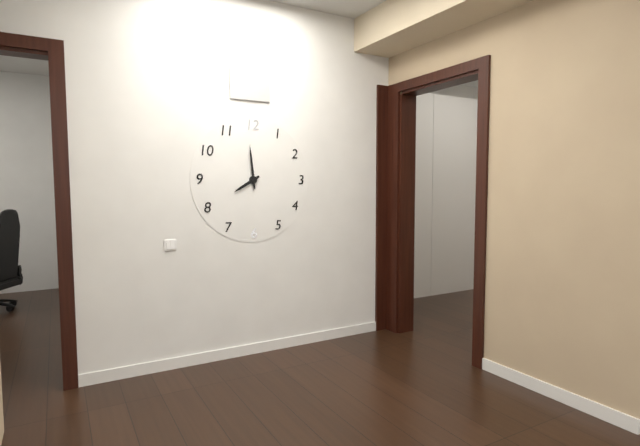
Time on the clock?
7:59
